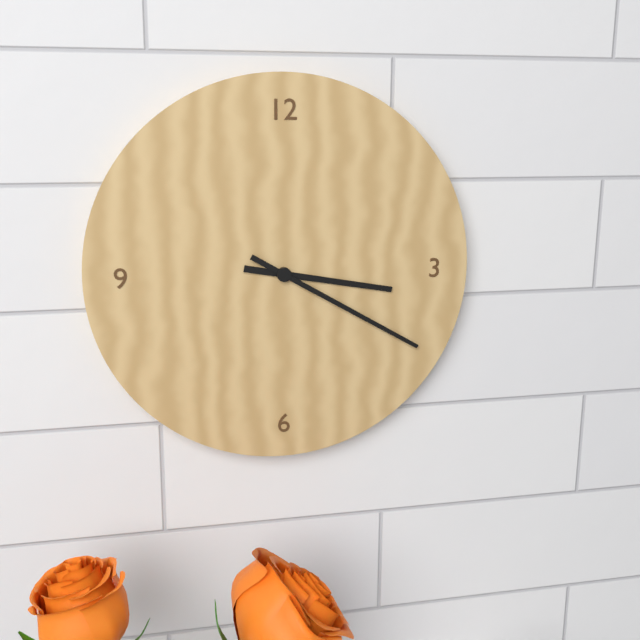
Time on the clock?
3:20
